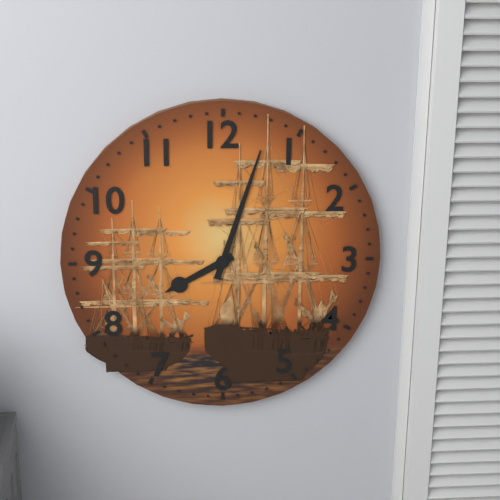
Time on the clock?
8:03
